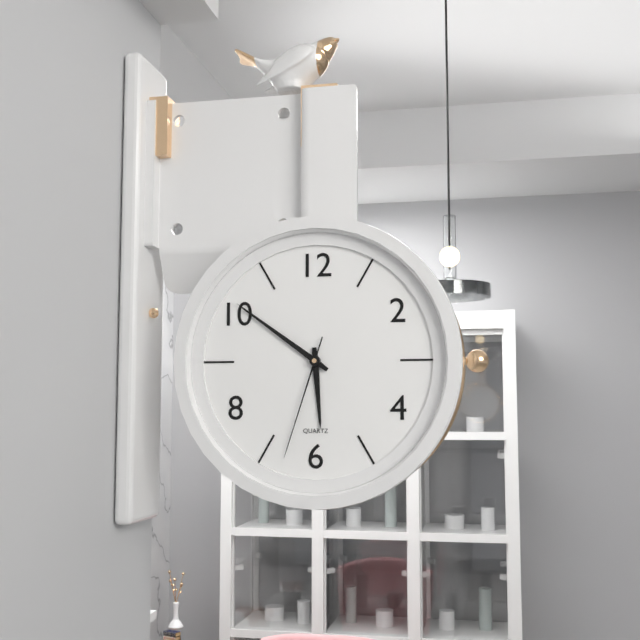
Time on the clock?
5:51:33
